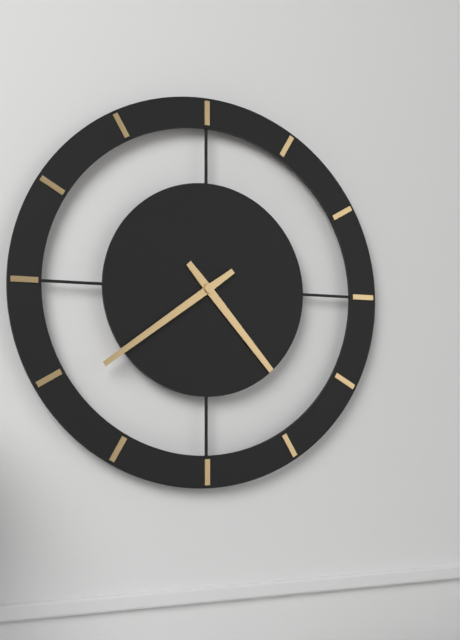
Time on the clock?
4:39
